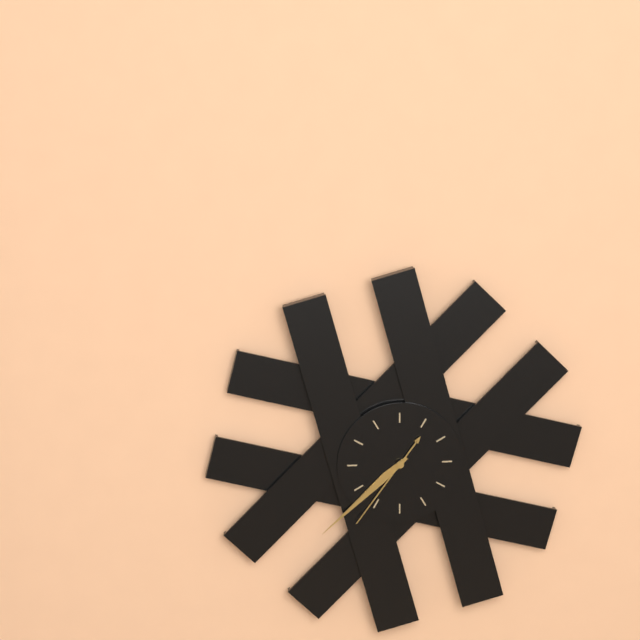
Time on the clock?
7:38:36
